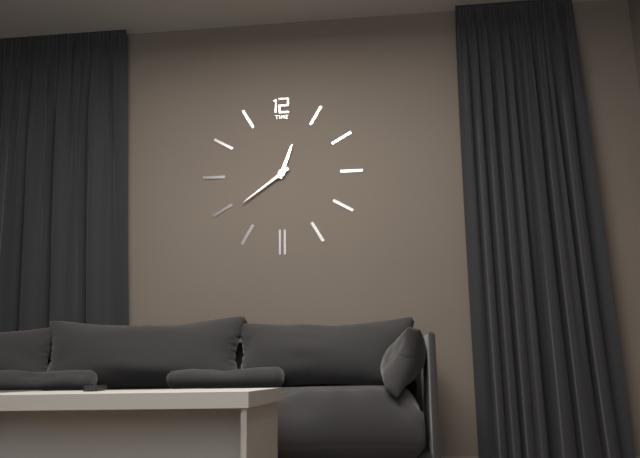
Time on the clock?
12:39
